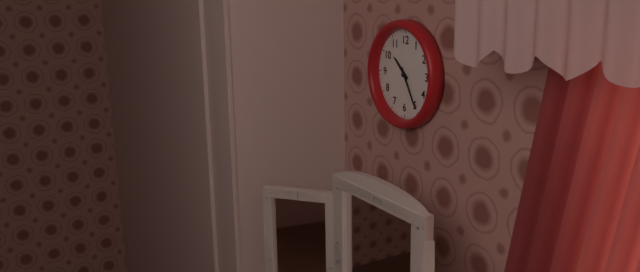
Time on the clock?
10:25
